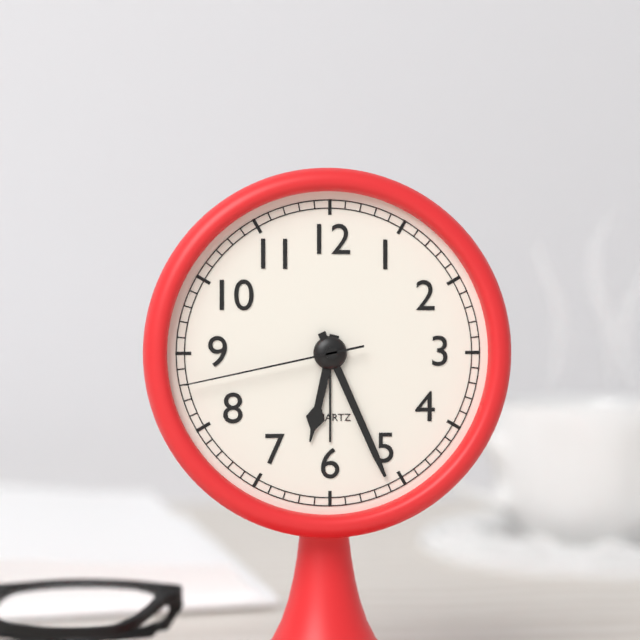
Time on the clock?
6:26:43
